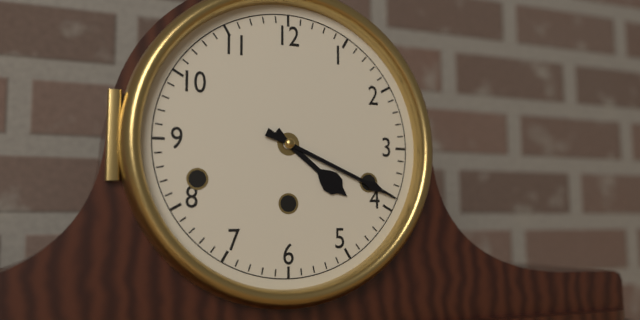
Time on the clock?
4:19
